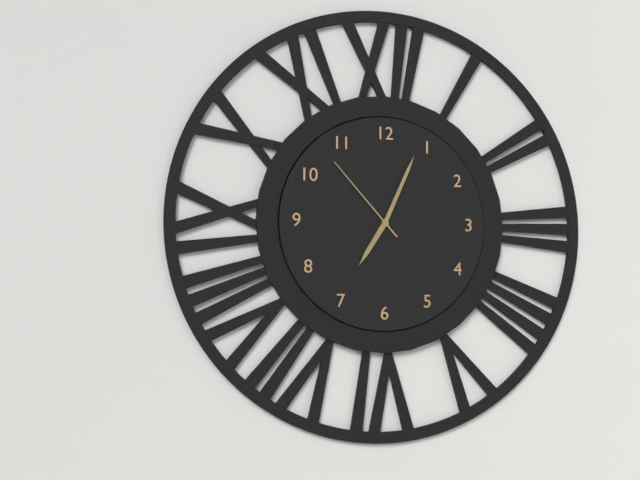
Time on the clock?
7:04:53
